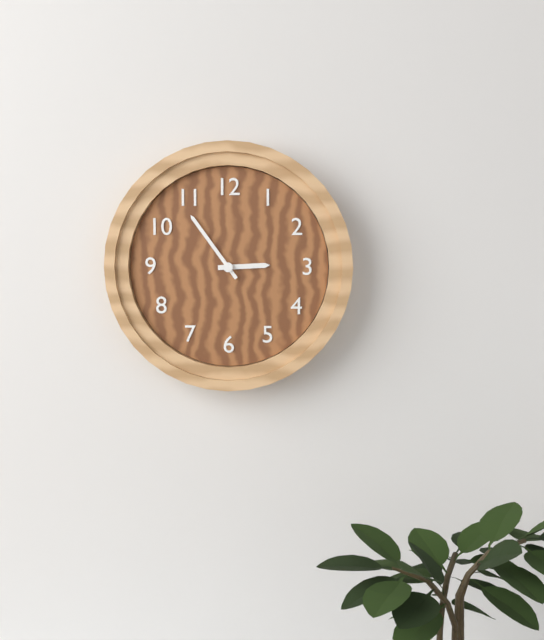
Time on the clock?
2:54
